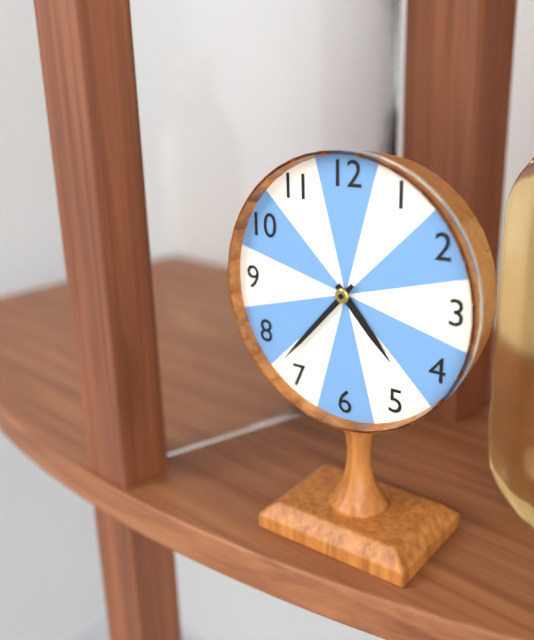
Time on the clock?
4:37
